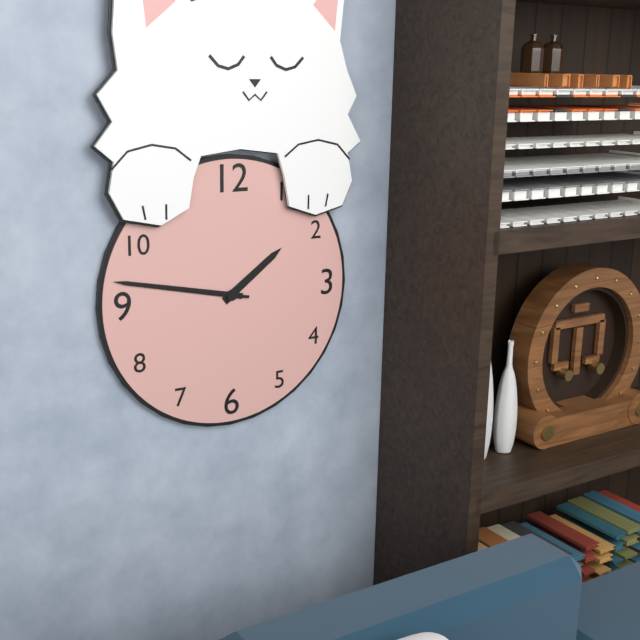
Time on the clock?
1:47:47
